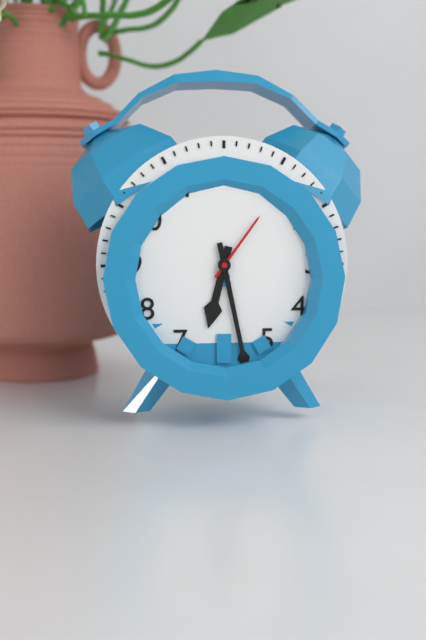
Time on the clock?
6:28:06
